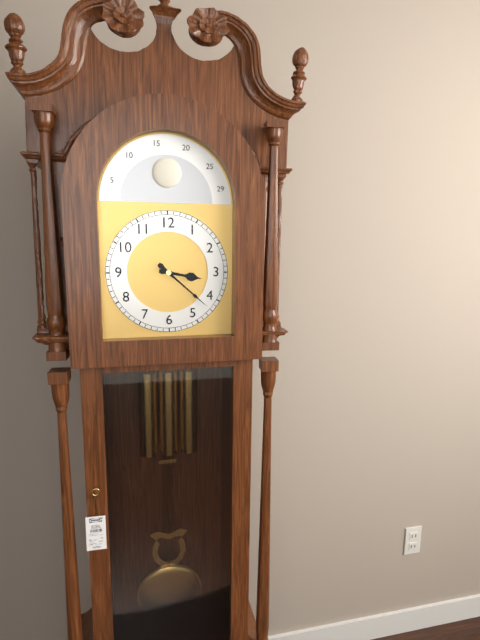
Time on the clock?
3:22
